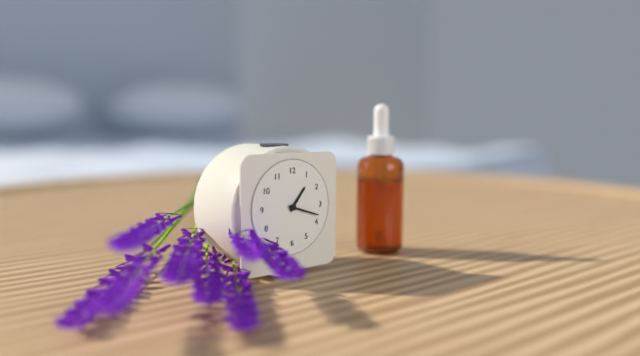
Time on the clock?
1:18
